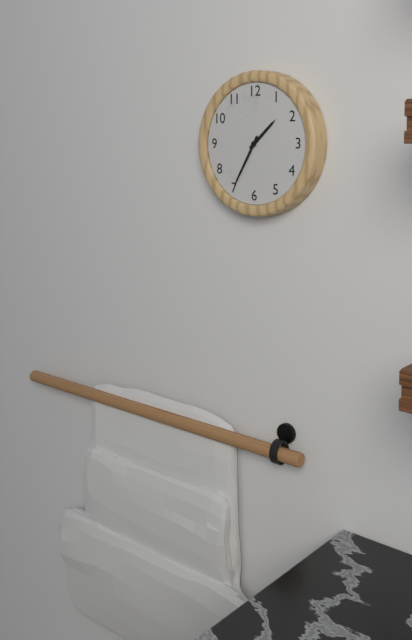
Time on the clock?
1:35
